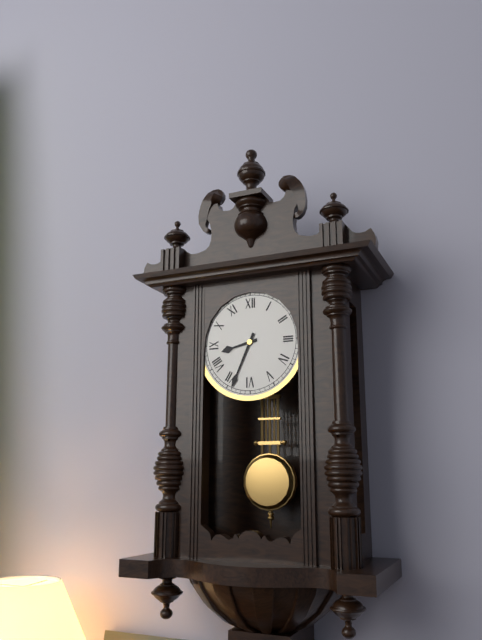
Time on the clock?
8:34
